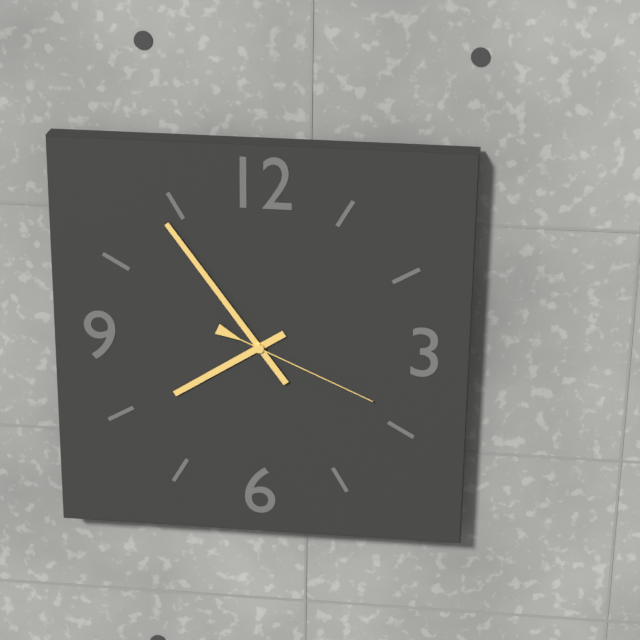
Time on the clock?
7:54:19
